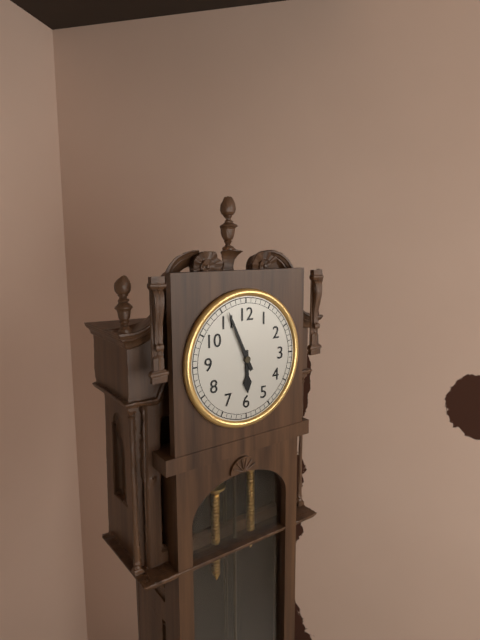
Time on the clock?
5:56
